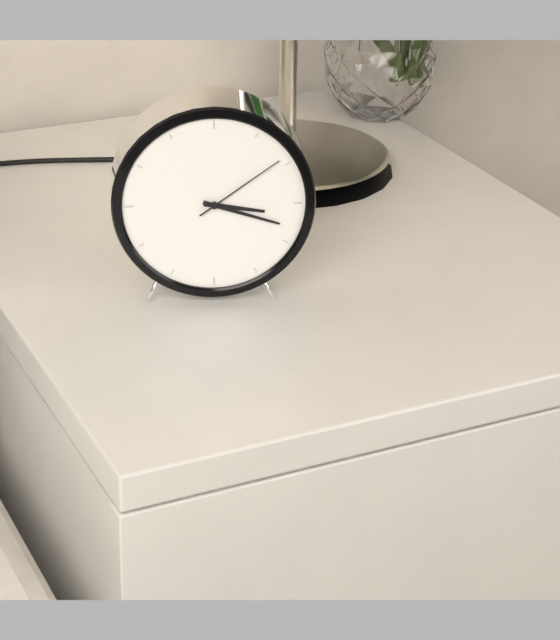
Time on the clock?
3:18:09
